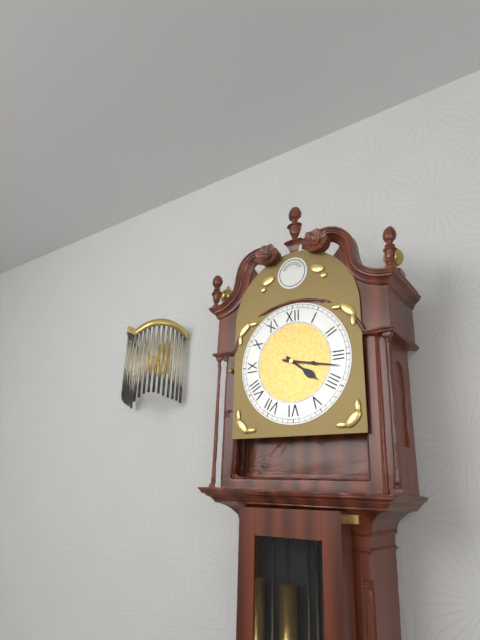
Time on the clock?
4:17
